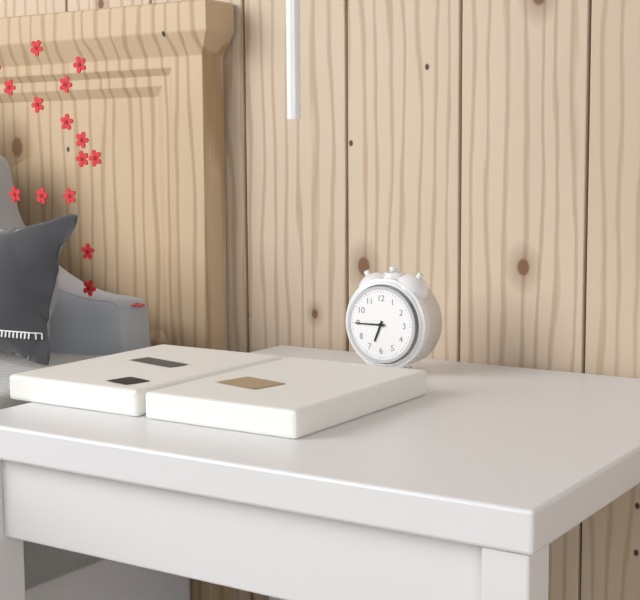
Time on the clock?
6:45
